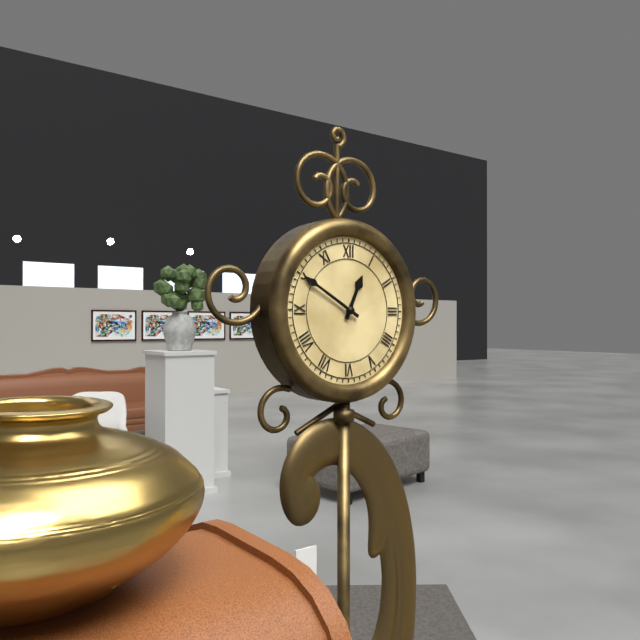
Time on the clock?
12:50
